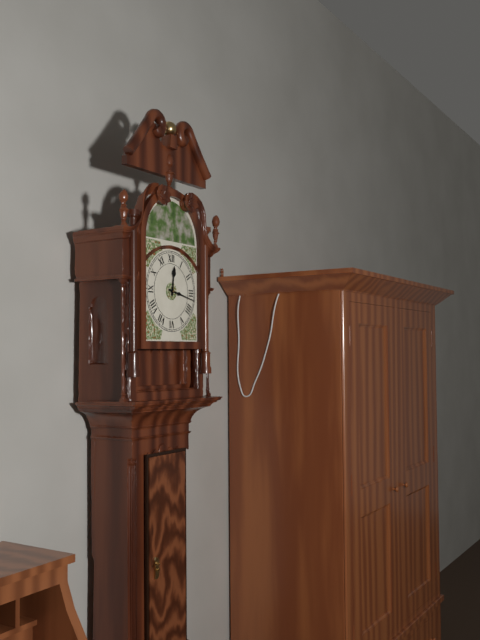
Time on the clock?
12:17
